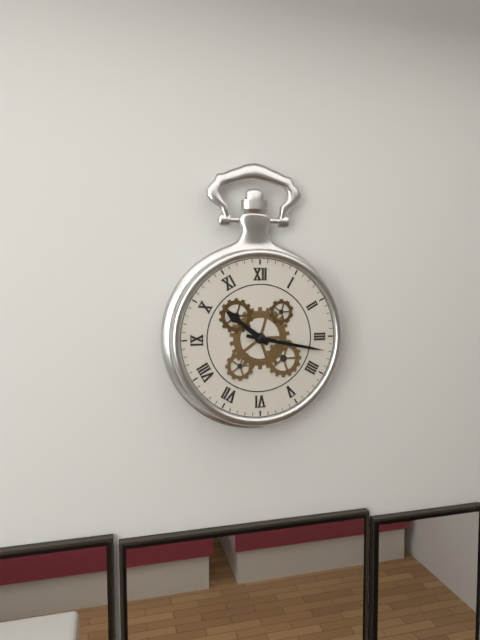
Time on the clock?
10:17
